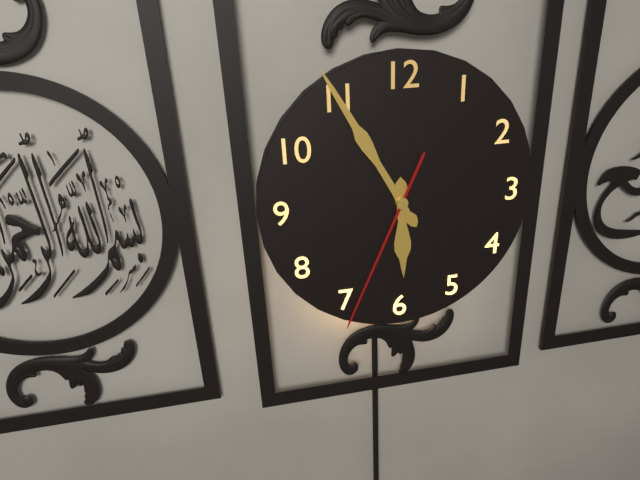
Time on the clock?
5:55:34
